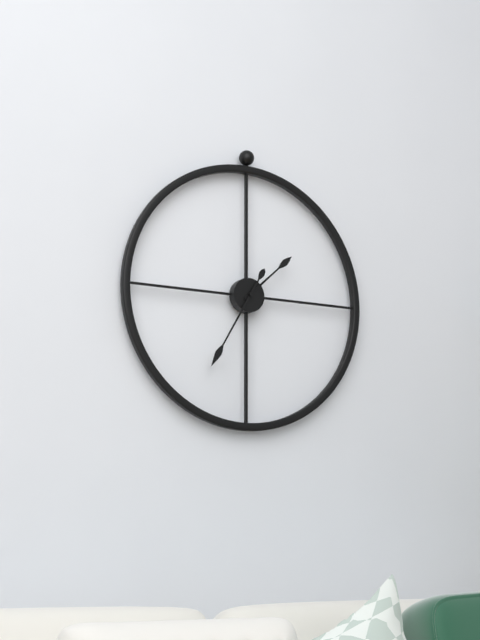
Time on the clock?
1:35
